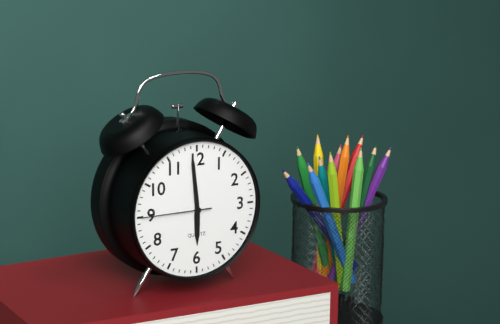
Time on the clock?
5:59:45
